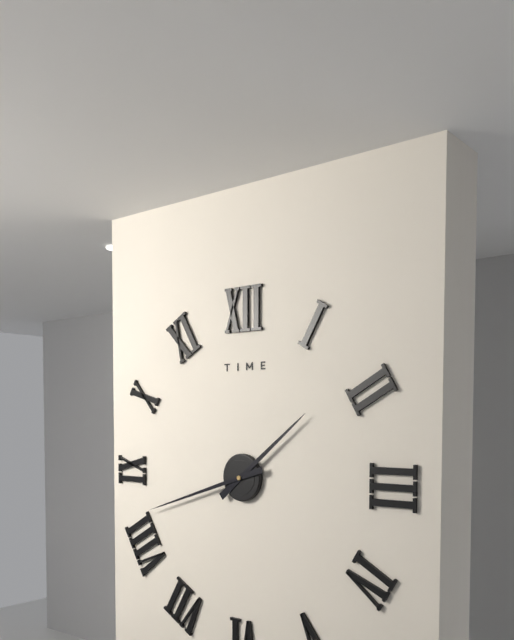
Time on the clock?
1:42
